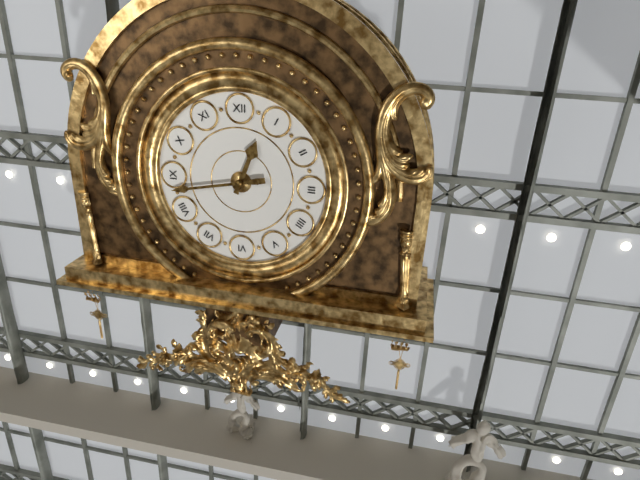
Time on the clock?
12:43
